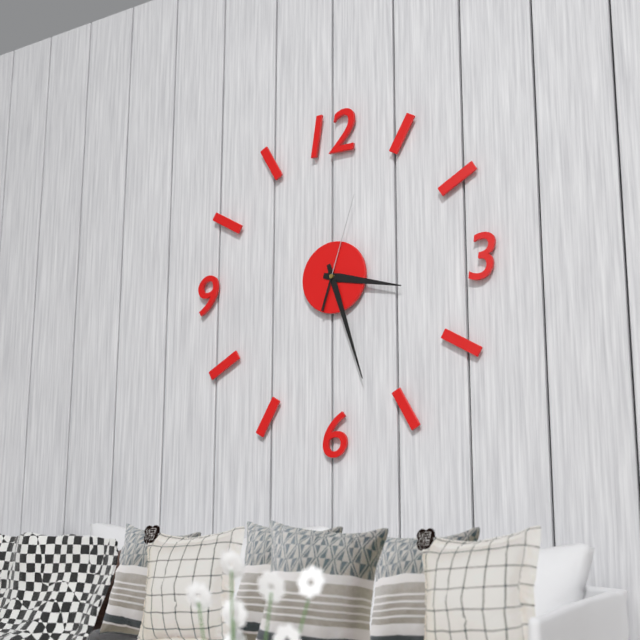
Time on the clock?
3:27:03
